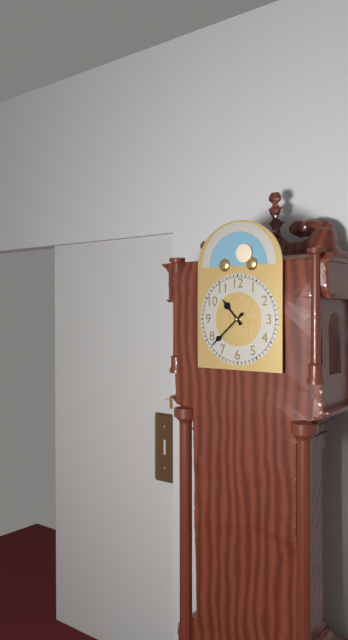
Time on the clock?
10:38
